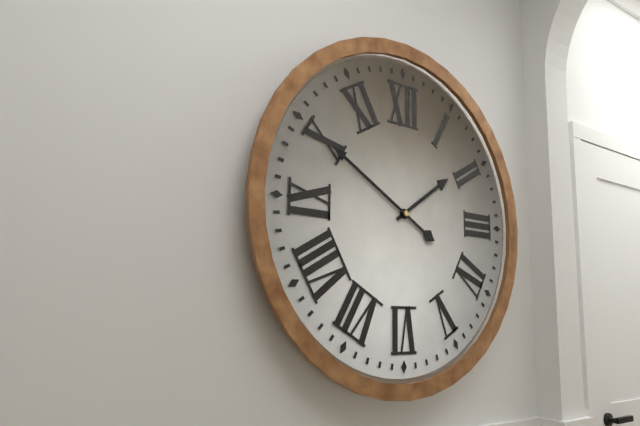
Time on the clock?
1:50
